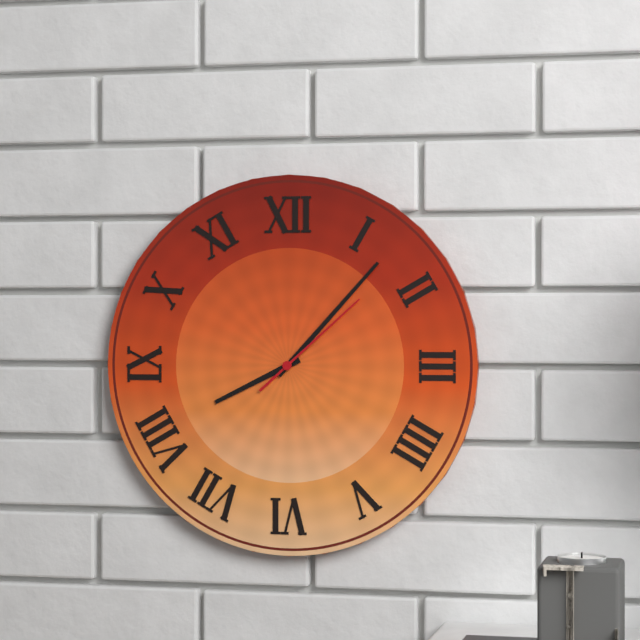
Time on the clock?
8:07:08
